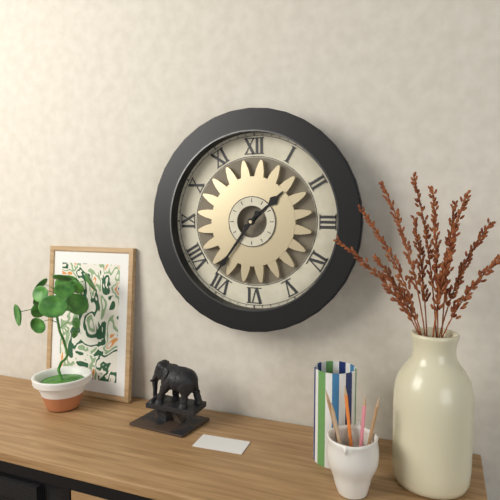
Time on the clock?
1:36
